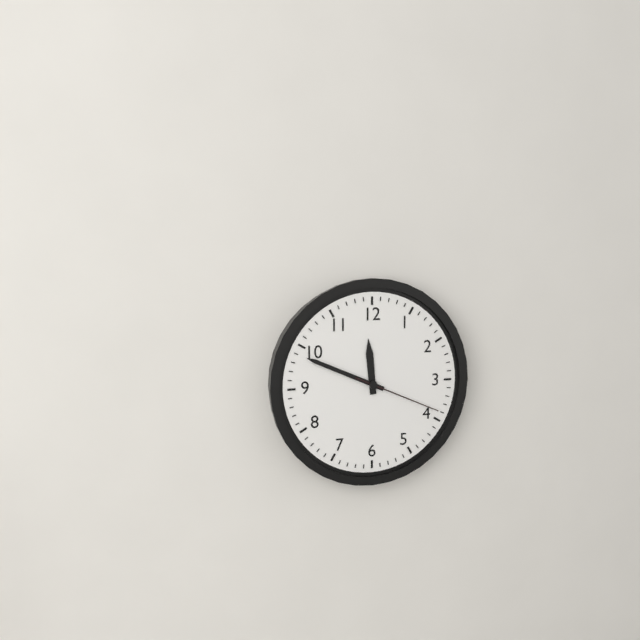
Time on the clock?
11:49:19
